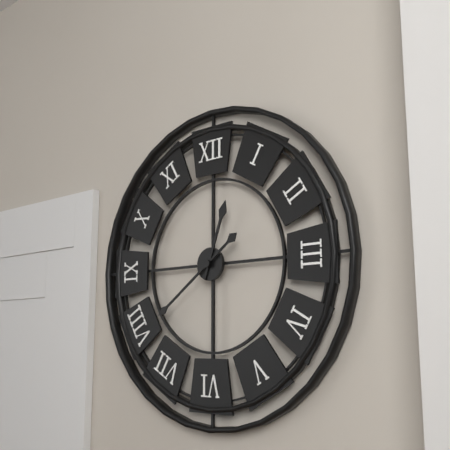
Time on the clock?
12:39
